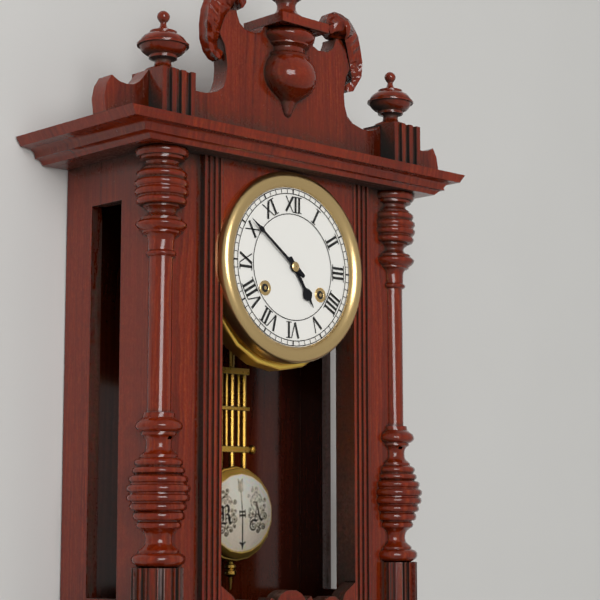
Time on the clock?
4:51
